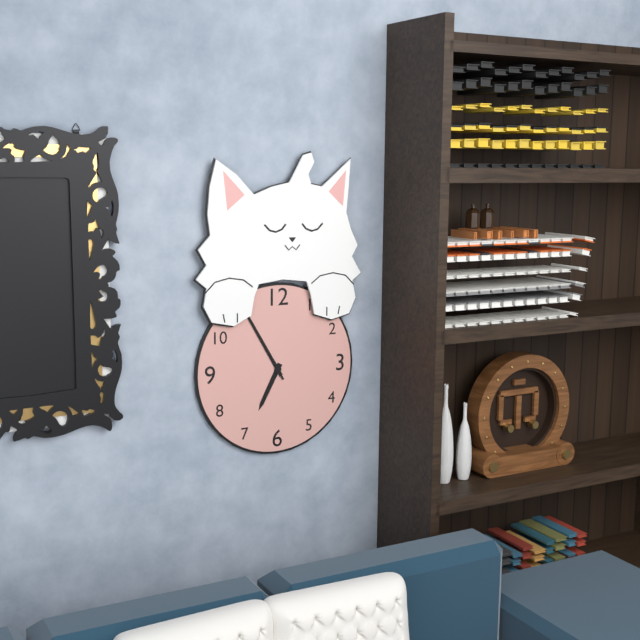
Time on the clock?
6:55:55
